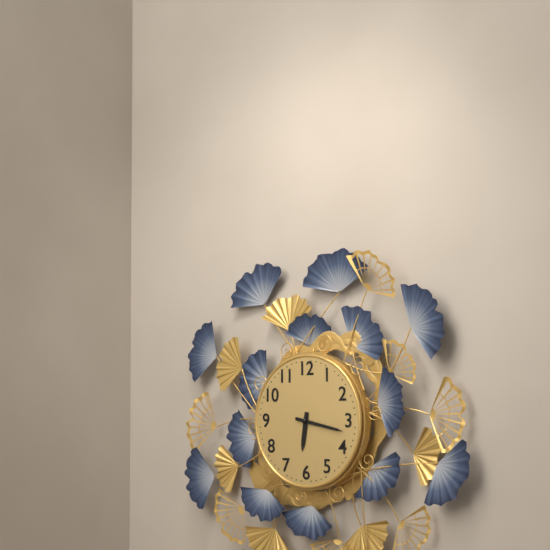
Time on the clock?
6:17
